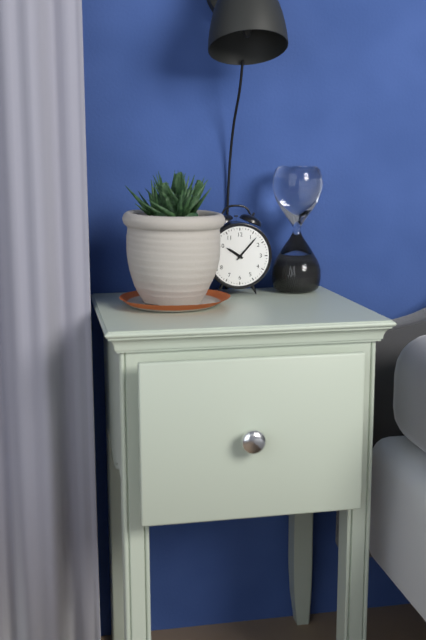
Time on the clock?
10:07
